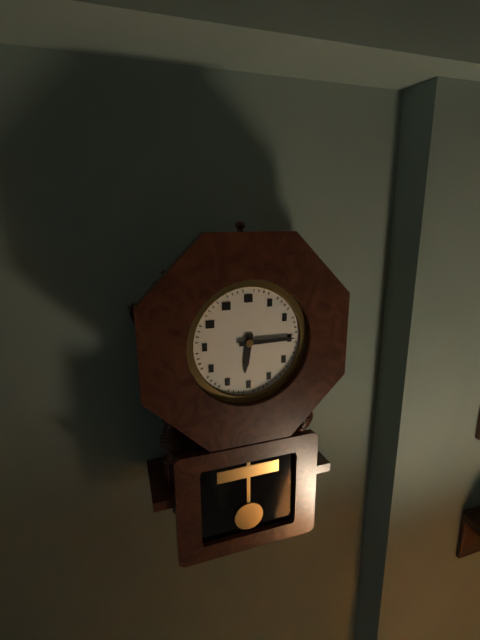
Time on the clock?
6:15
